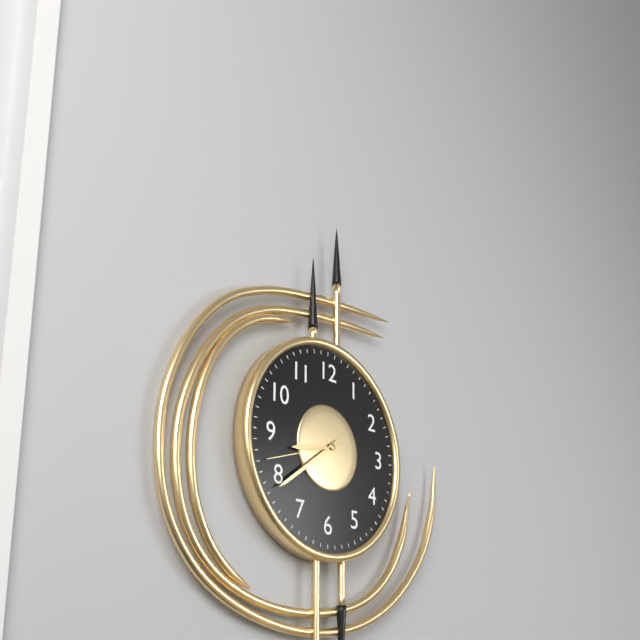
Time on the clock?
8:39:42
